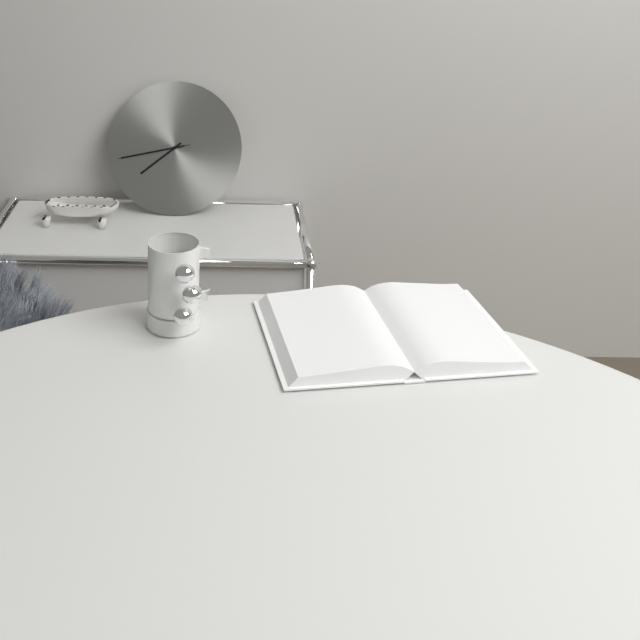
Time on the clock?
7:43:43
